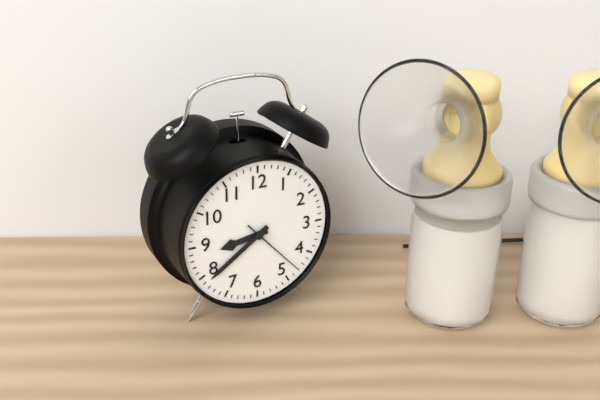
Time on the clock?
8:39:23
